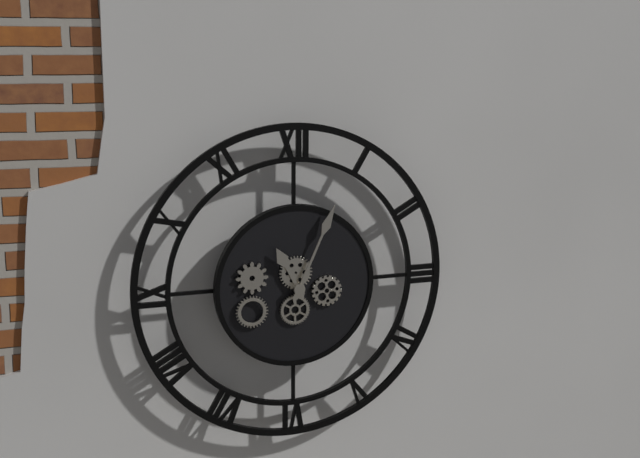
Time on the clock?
11:04
